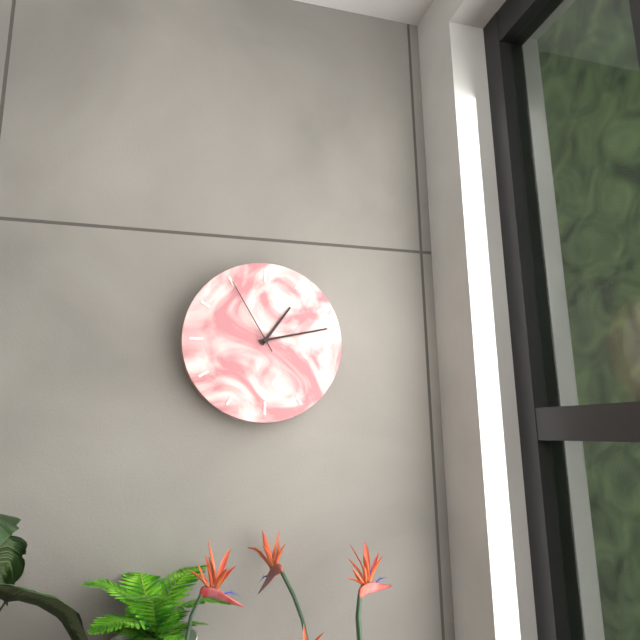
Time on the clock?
1:13:55
